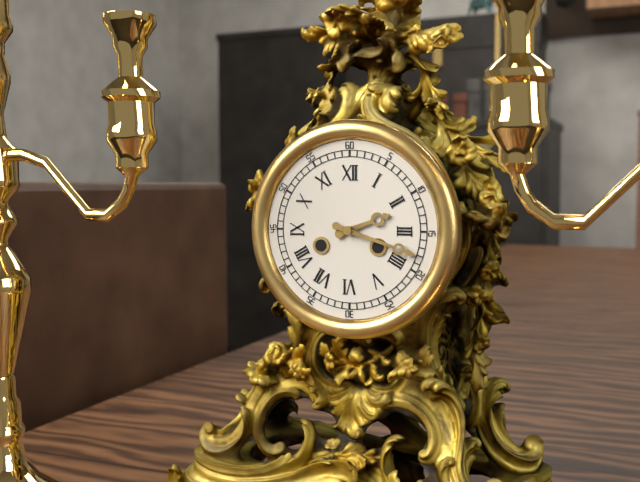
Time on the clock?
2:18
